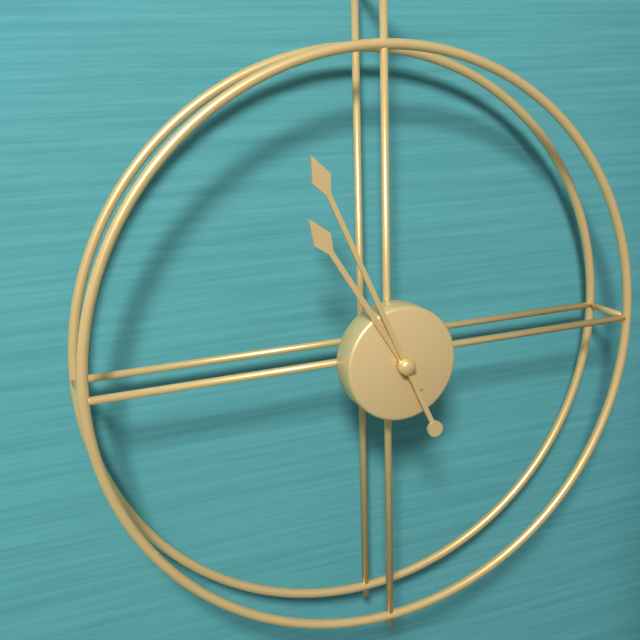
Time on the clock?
10:56
